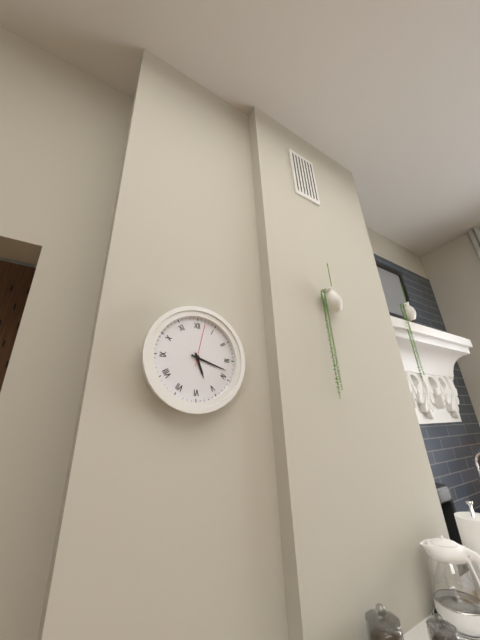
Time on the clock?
5:18
